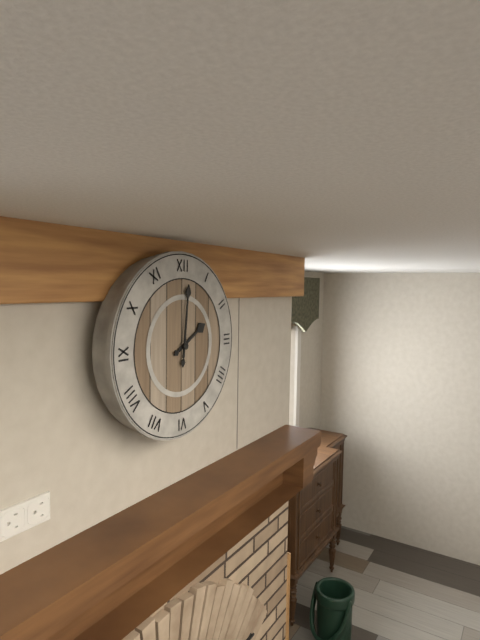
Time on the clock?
2:01
